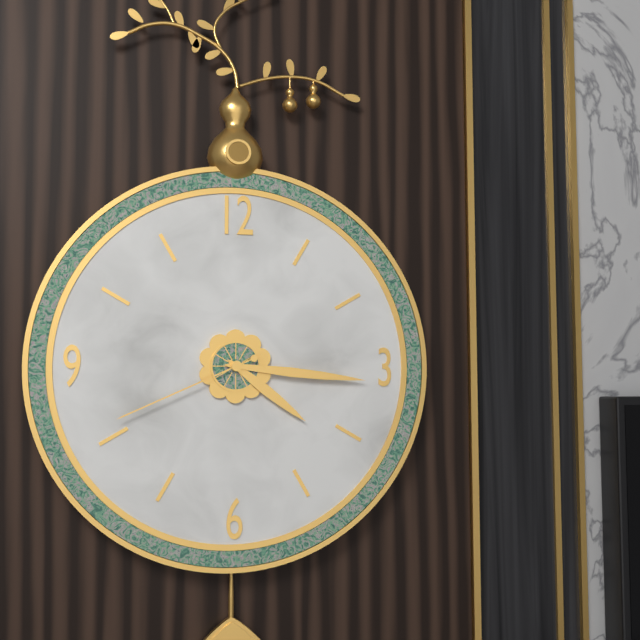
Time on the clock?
4:16:41
